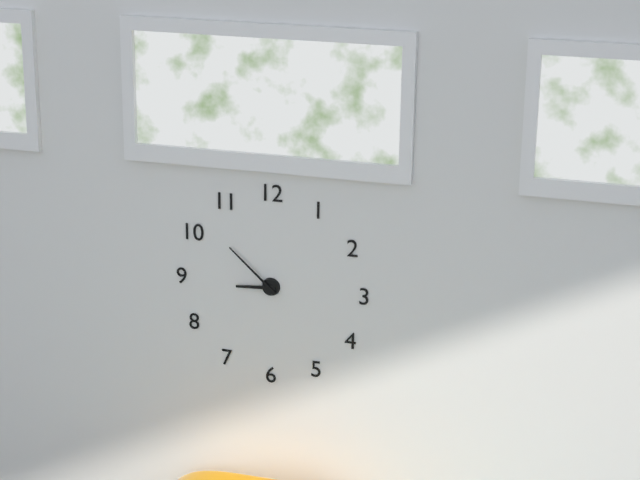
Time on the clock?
8:52
